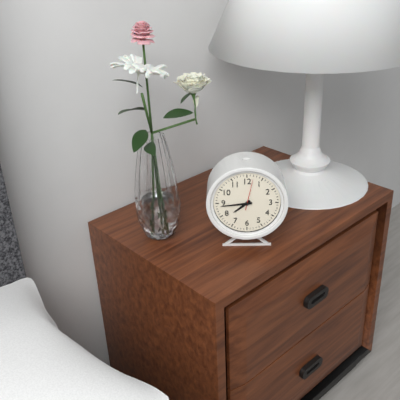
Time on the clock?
7:44
